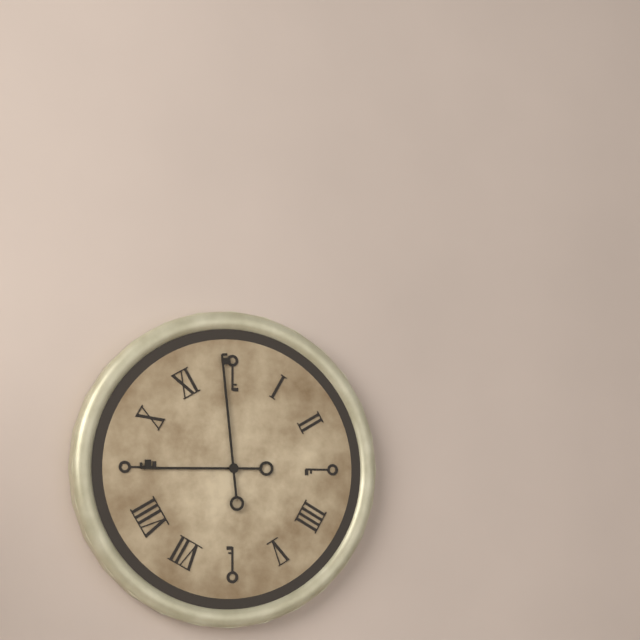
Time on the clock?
8:59
